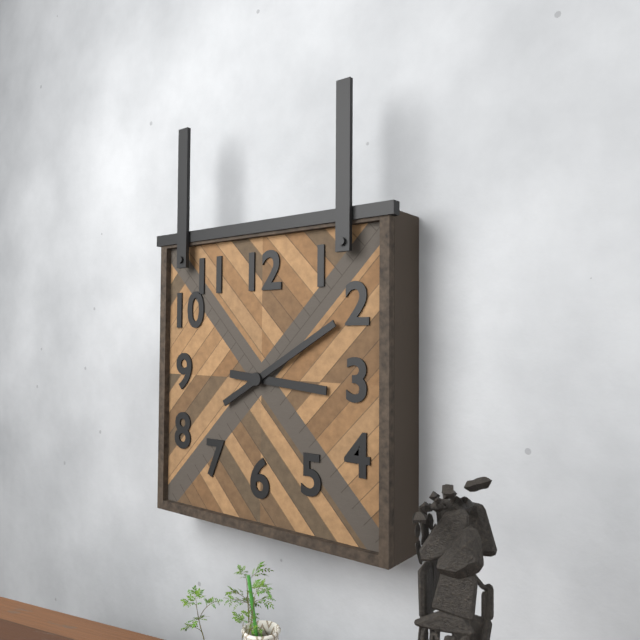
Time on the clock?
3:10
